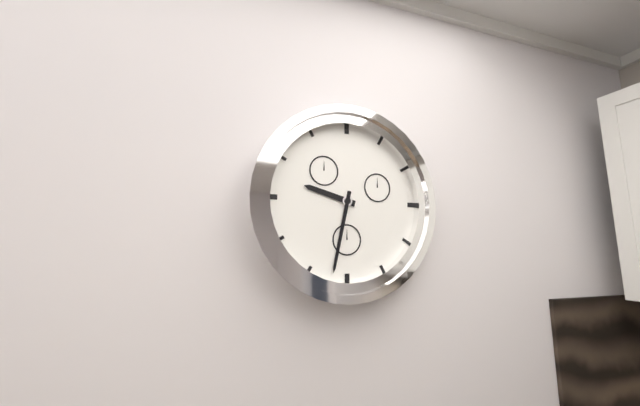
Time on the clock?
9:32
